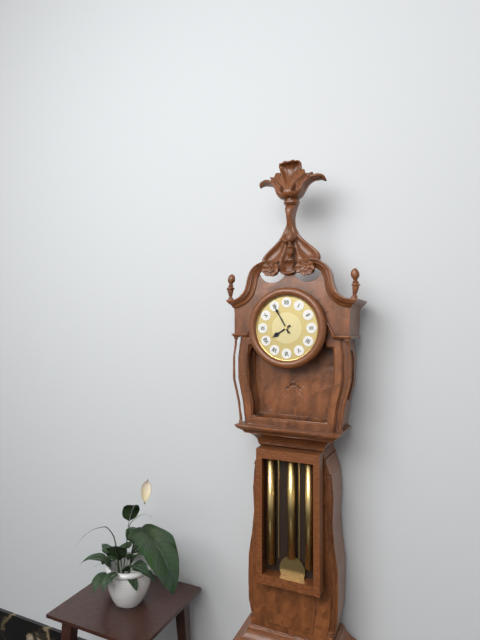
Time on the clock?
7:55
